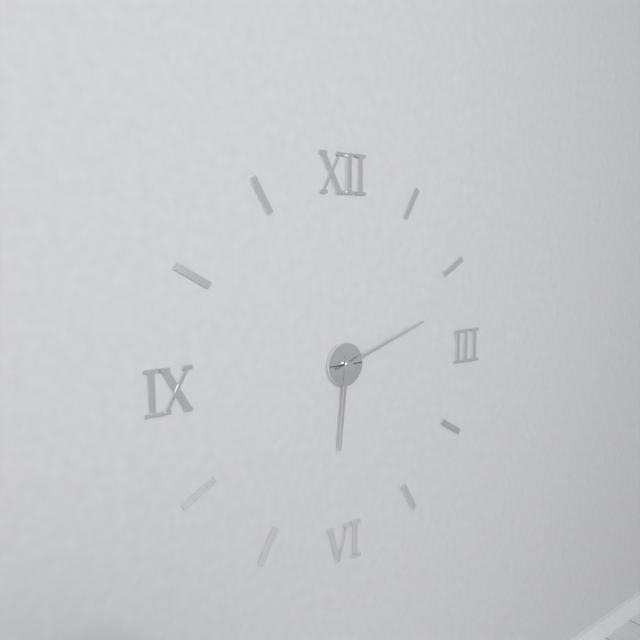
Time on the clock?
6:12
